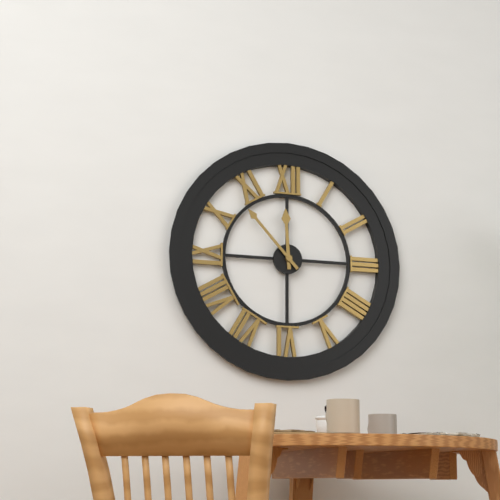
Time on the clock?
11:53
